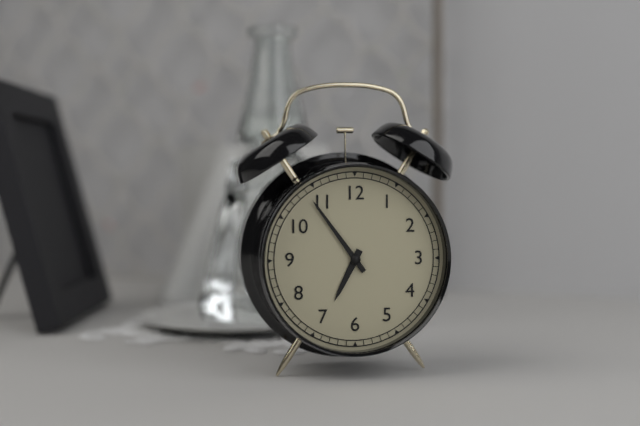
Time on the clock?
6:54
